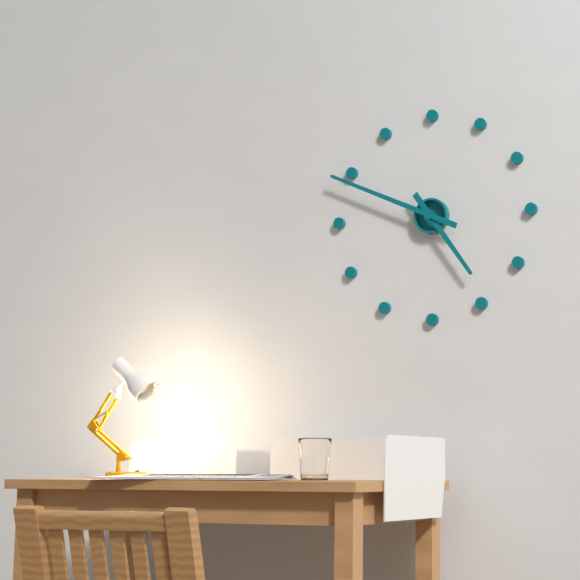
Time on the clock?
4:49
